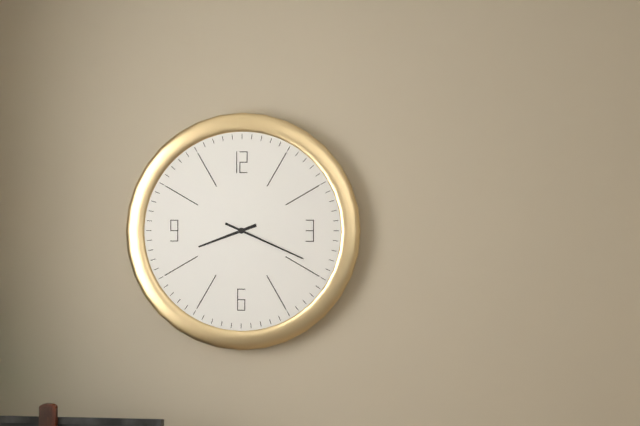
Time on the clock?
8:19
